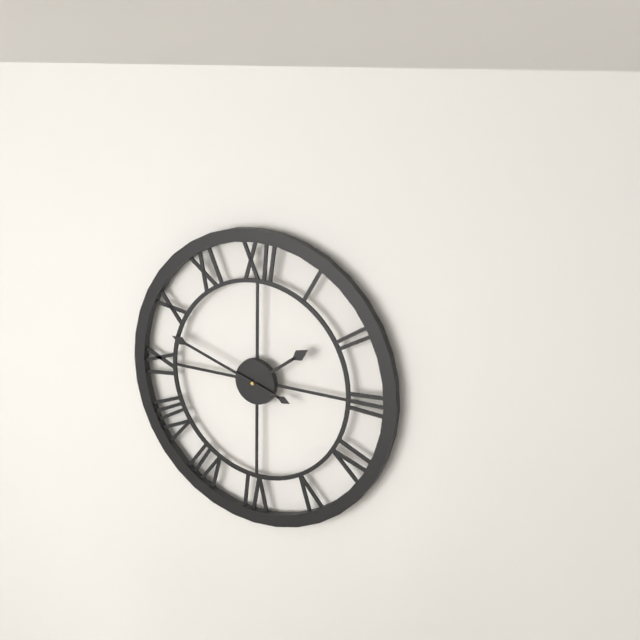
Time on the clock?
1:48
